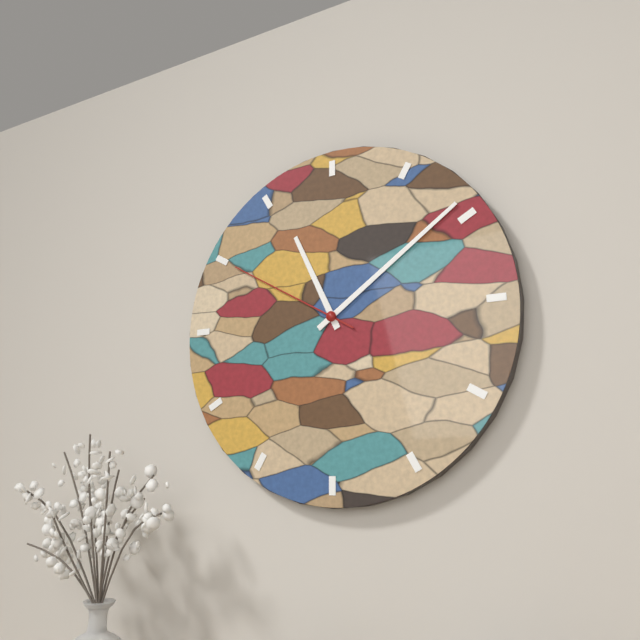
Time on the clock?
11:09:50
